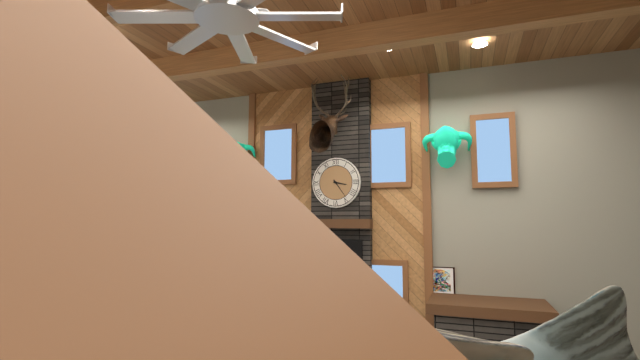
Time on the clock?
3:24
